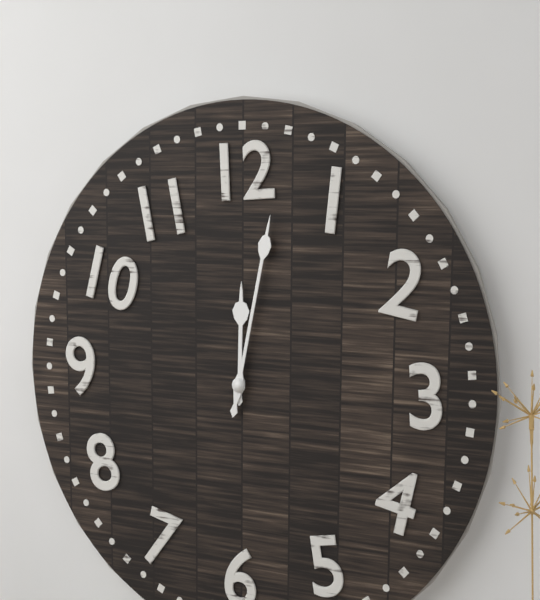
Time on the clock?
12:02
